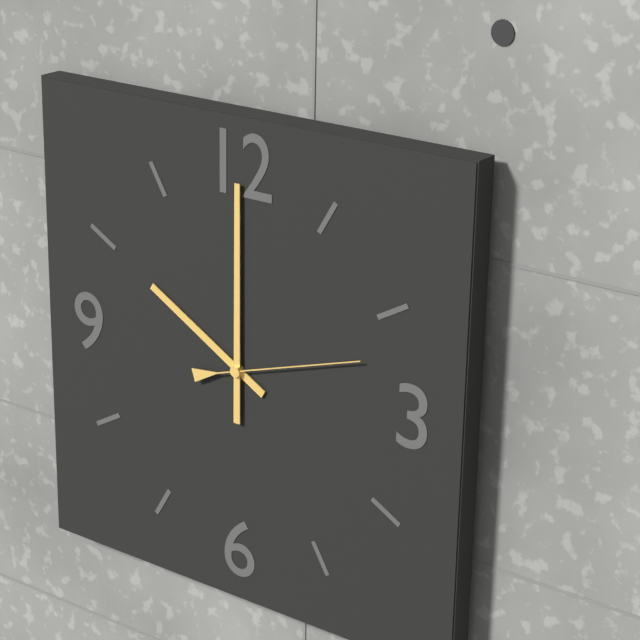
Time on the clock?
10:00:12
